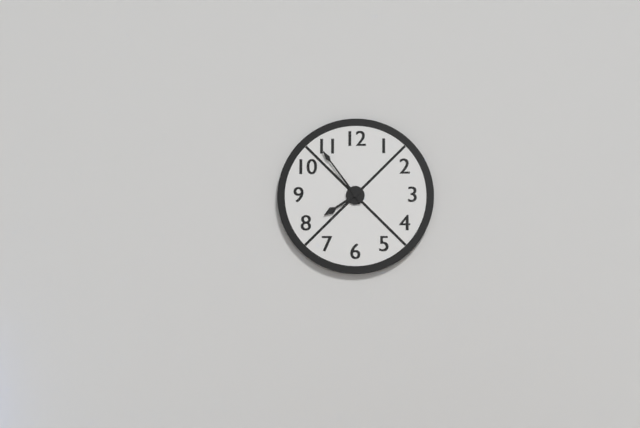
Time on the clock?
7:54
